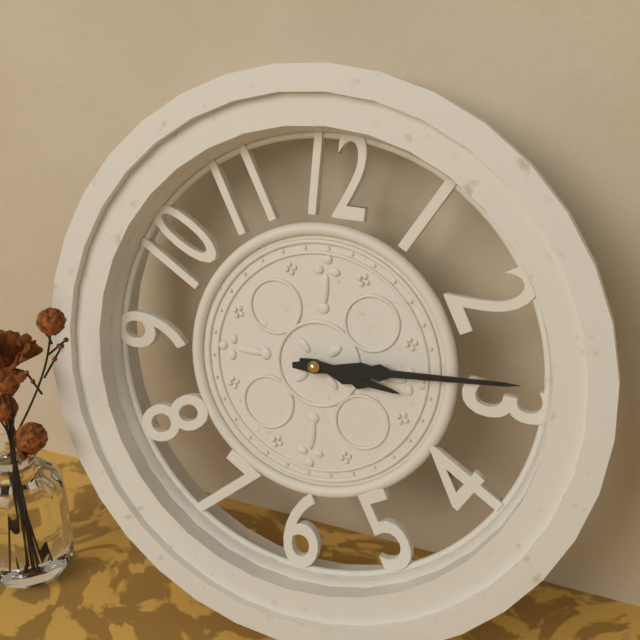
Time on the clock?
3:14
